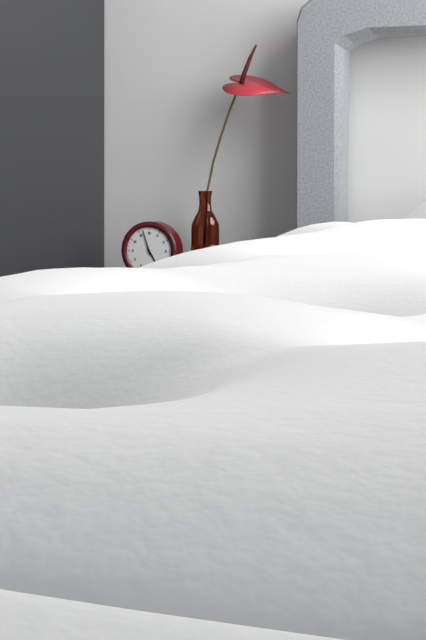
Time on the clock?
4:57
